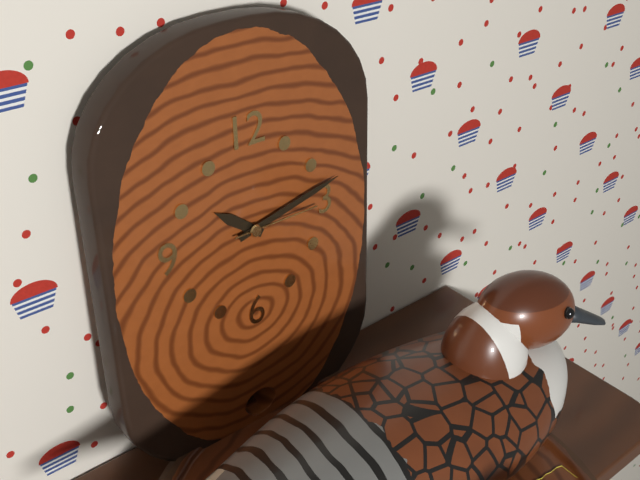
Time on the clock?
10:13:15
